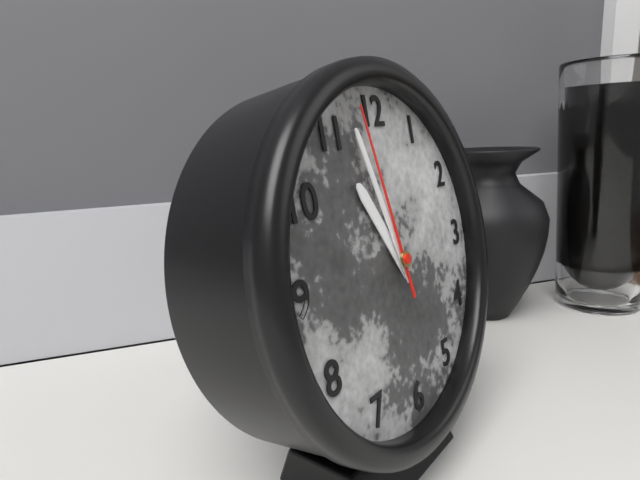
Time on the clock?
10:57:58
